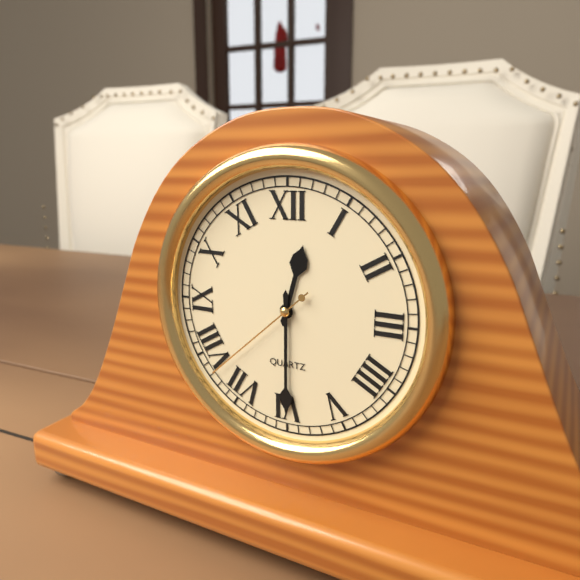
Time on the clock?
12:30:38
